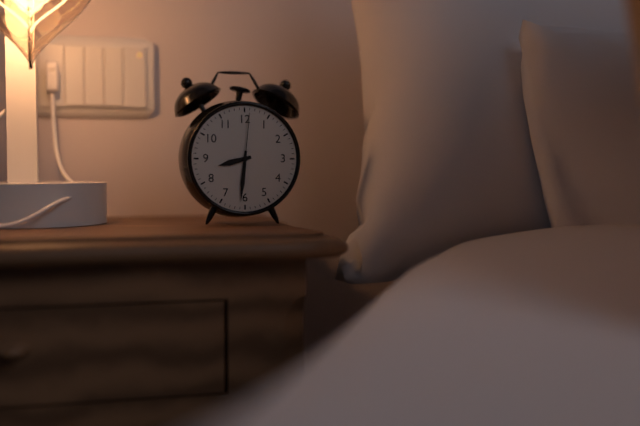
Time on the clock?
8:31:01
